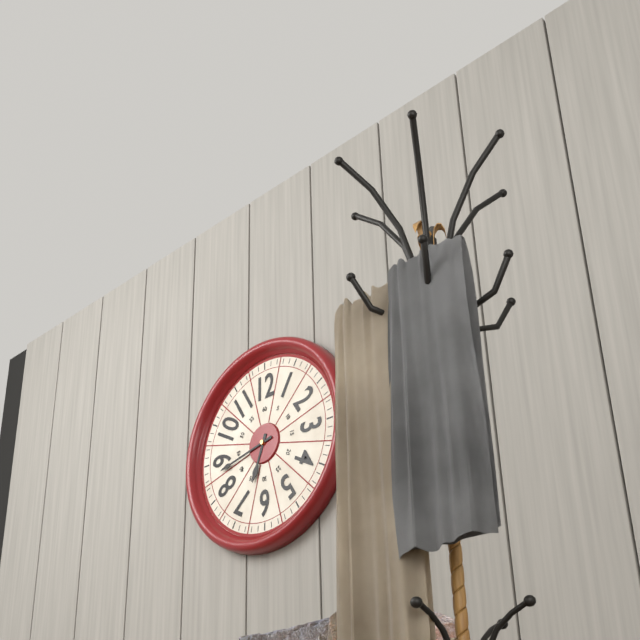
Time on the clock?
6:43
